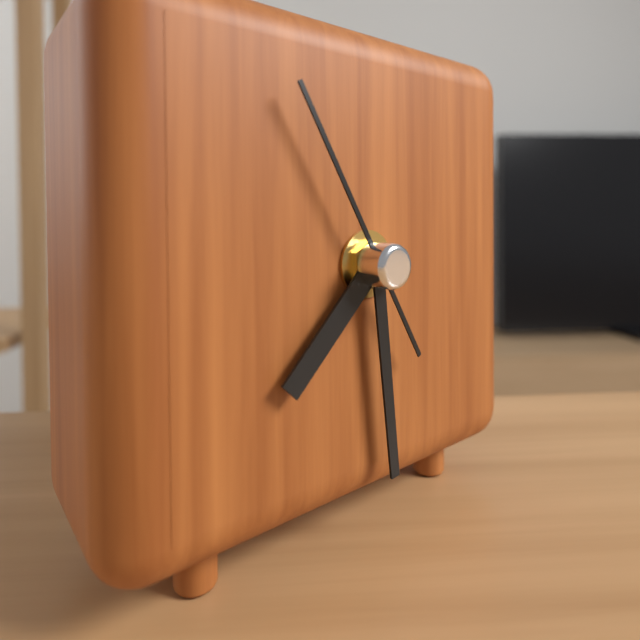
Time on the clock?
7:29:55
